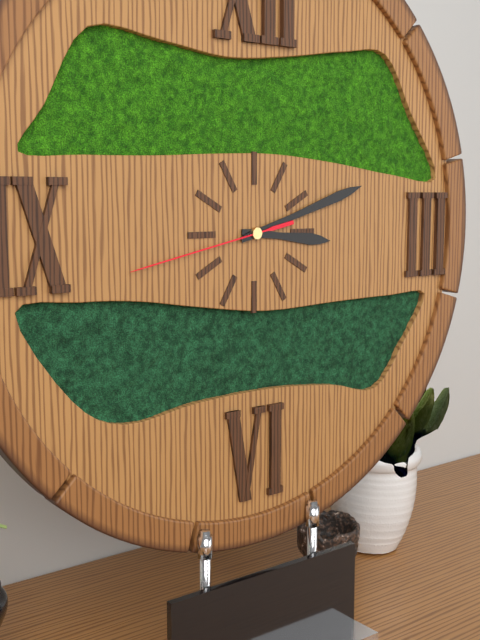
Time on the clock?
3:12:43
